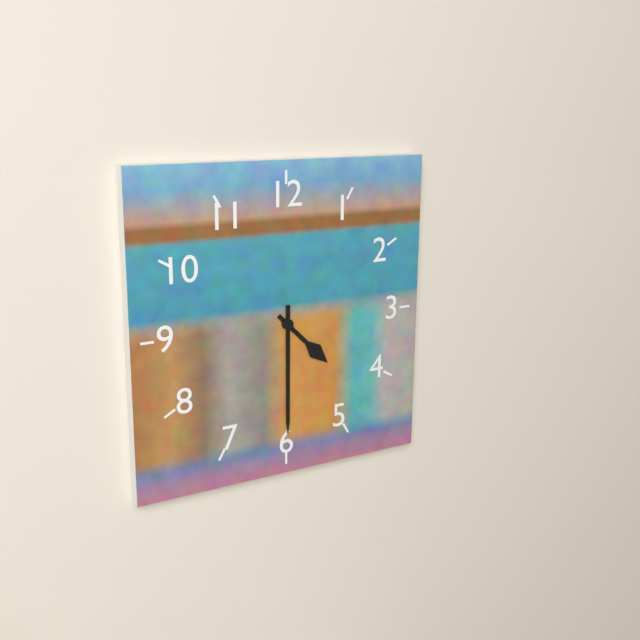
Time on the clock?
4:30
